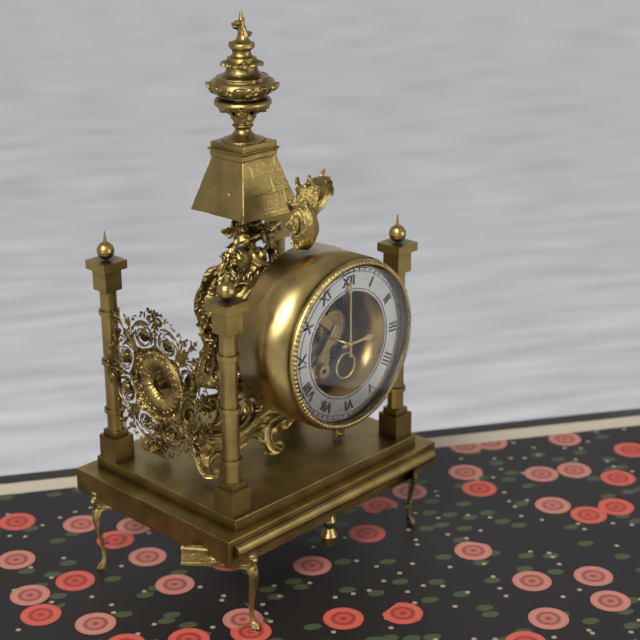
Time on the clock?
3:00
